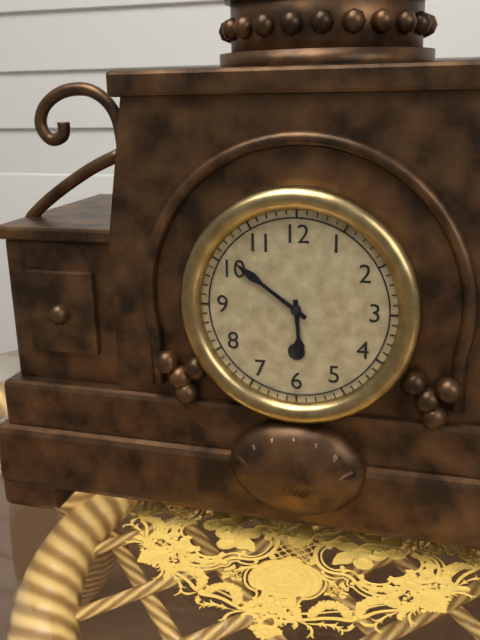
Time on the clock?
5:51
